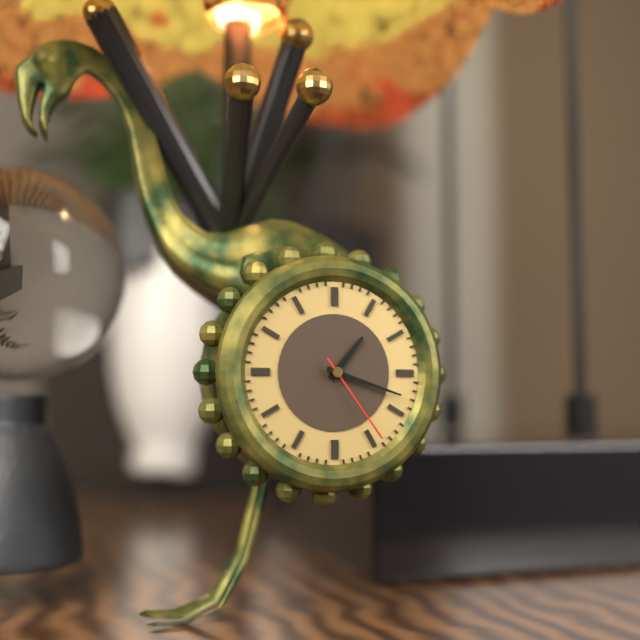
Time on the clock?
1:18:24
